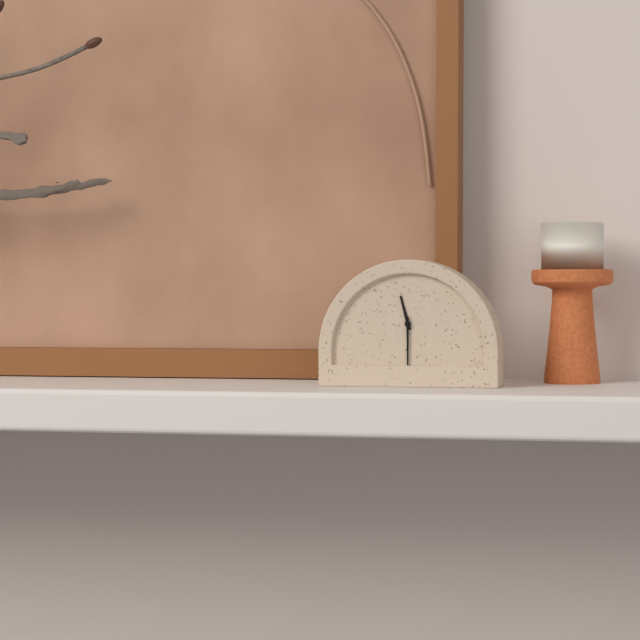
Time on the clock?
11:30
